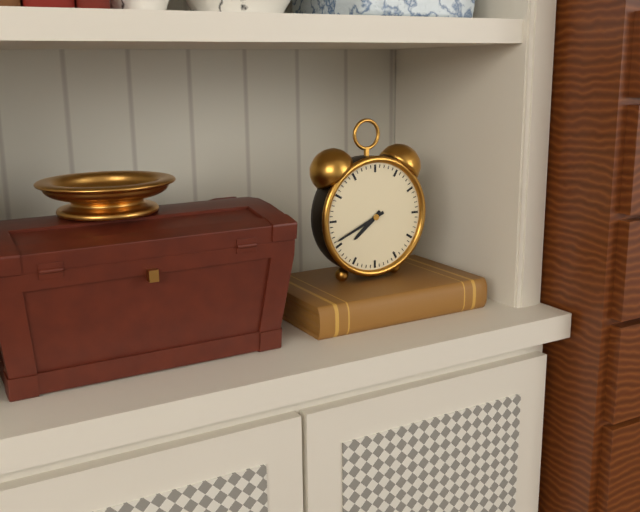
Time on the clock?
7:41
